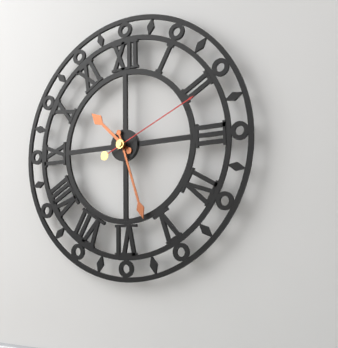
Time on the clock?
10:27:11
